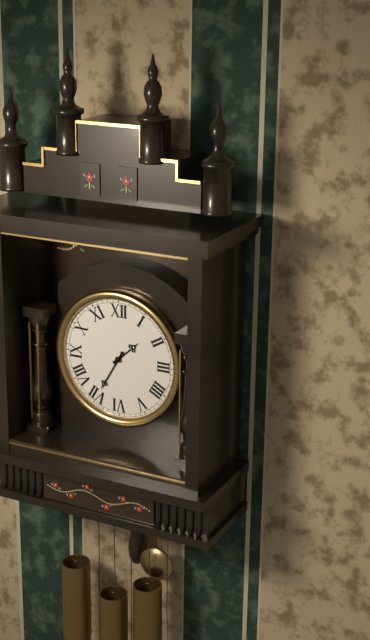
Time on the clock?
1:35
